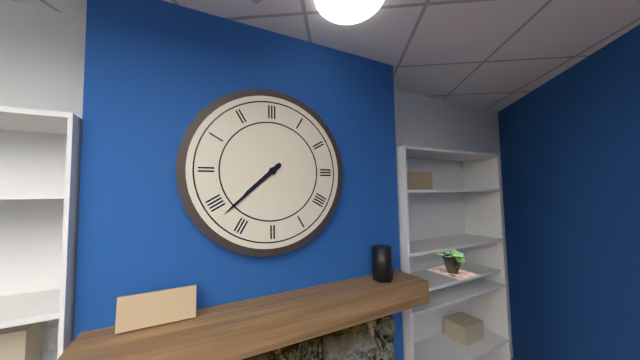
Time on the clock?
7:38
